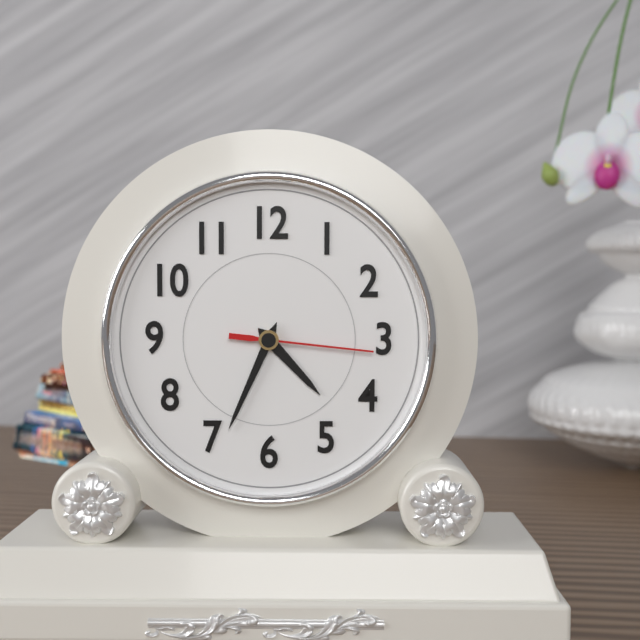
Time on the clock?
4:34:16
